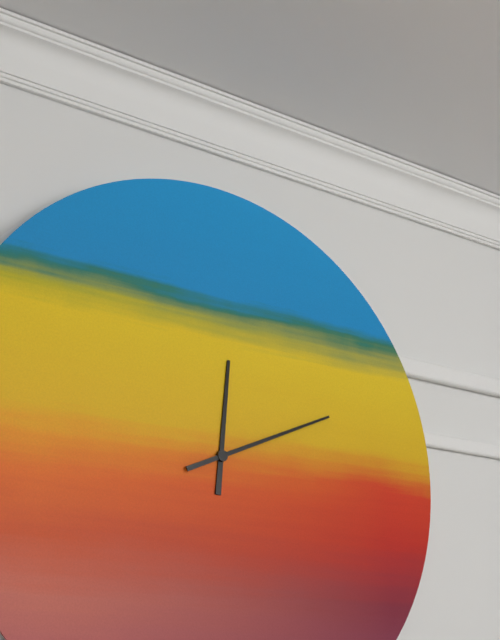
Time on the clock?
12:11
